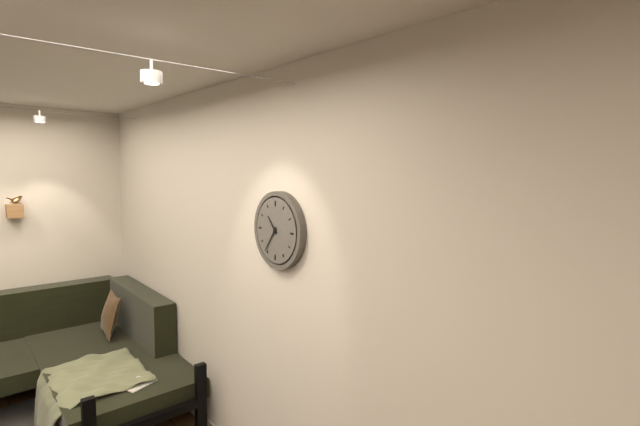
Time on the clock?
10:36
